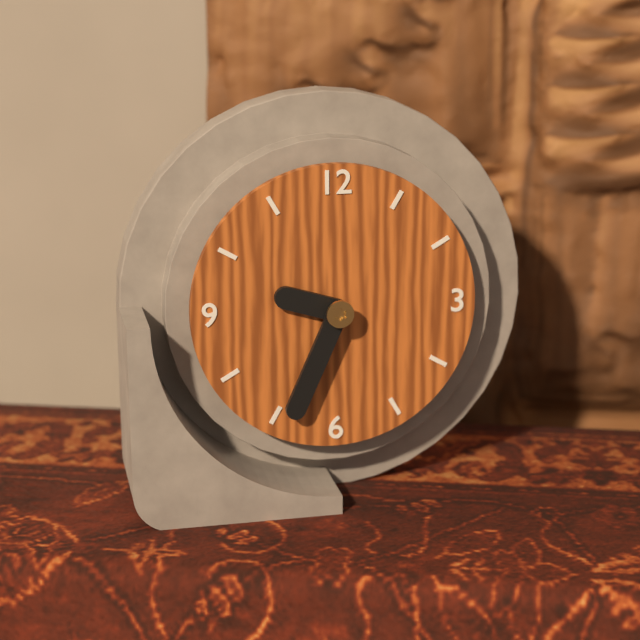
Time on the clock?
9:34
